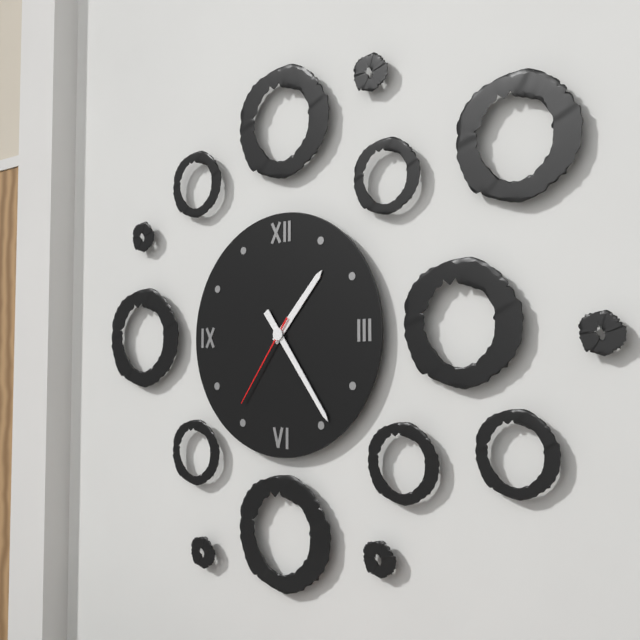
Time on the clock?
1:24:36
